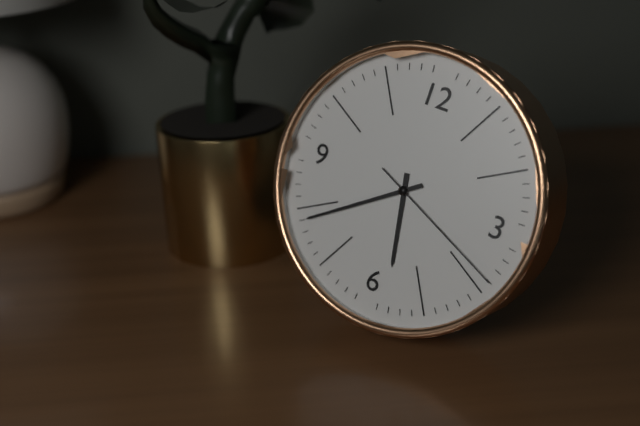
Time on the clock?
5:39:19
